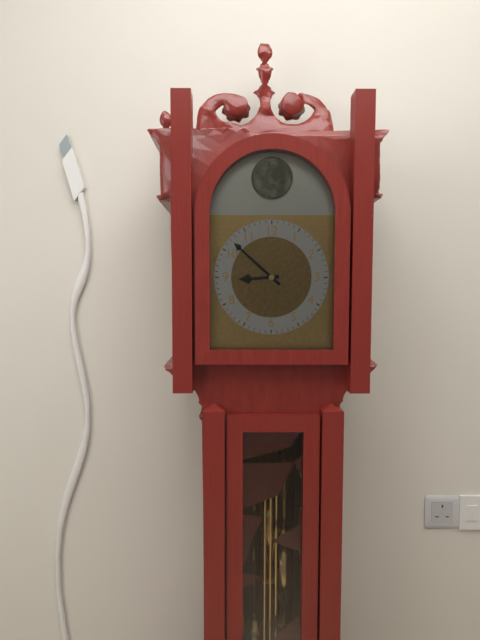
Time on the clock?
8:52
